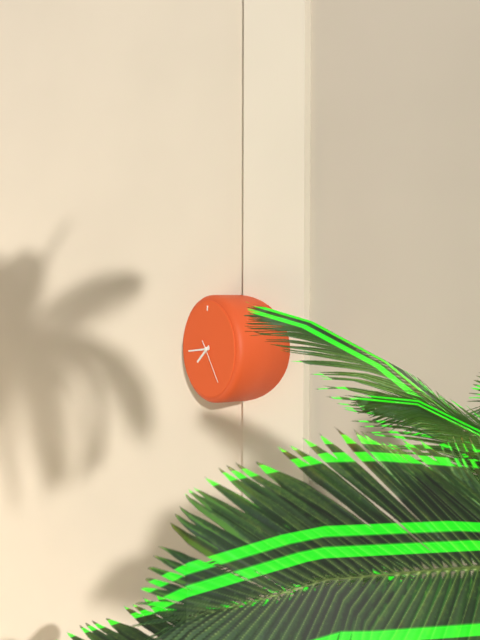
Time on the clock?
7:44
